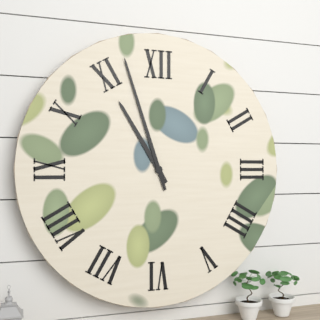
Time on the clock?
10:57
